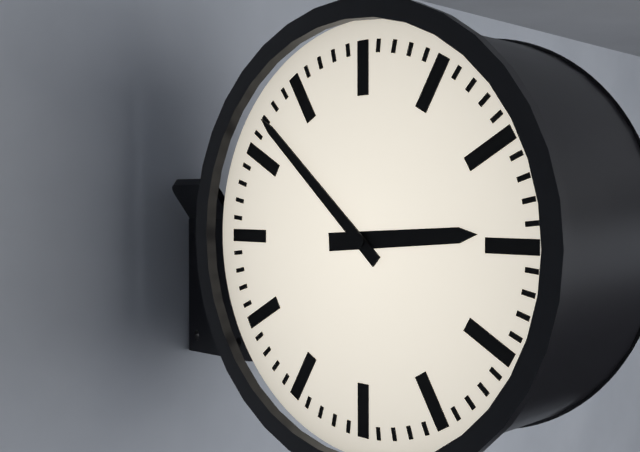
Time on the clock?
2:52
